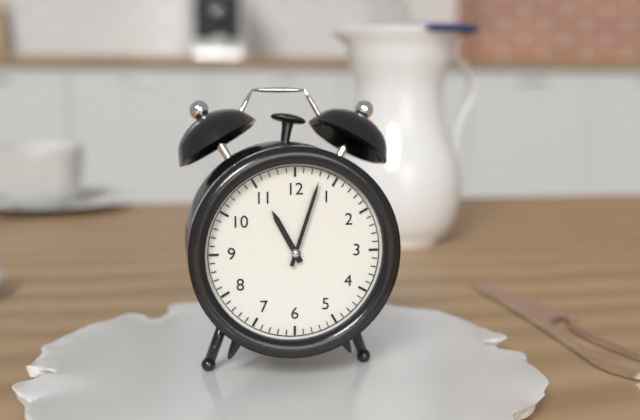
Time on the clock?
11:03
